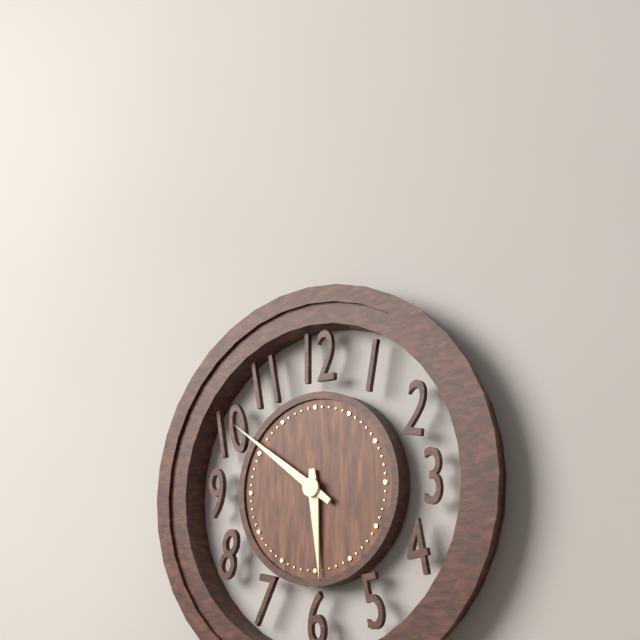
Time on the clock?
5:51
